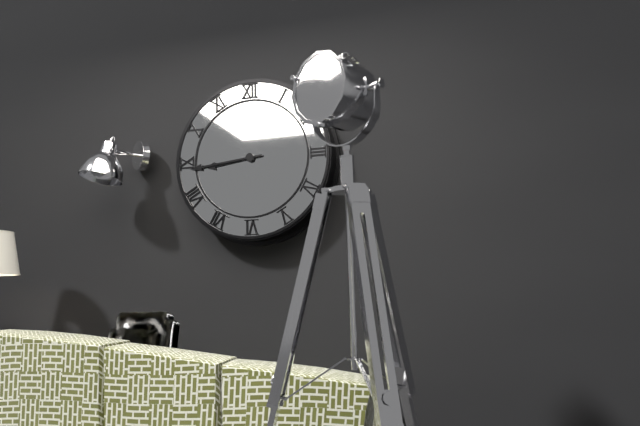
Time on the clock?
8:44
